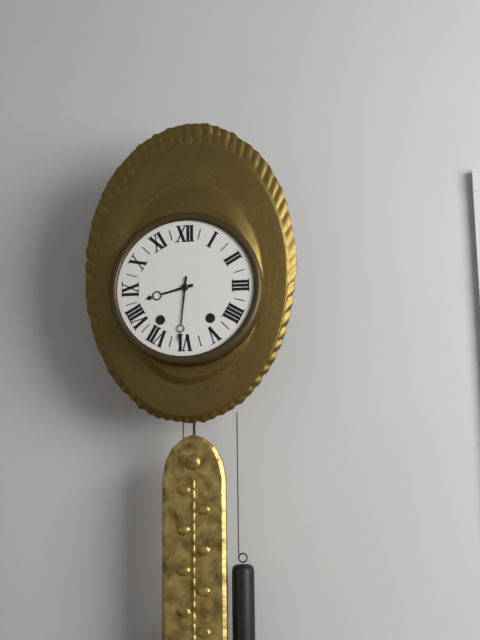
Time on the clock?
8:31
